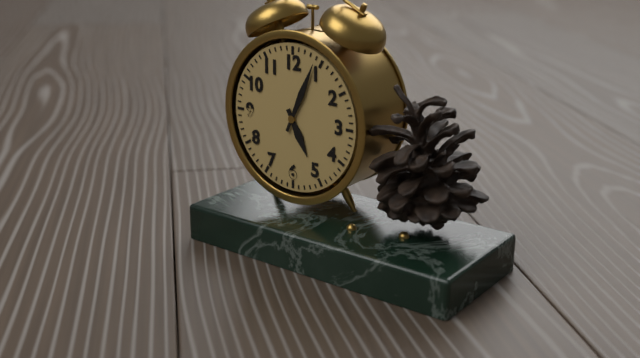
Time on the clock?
5:04
